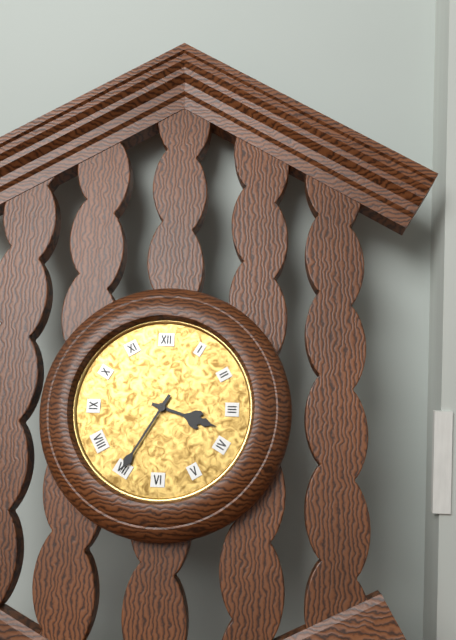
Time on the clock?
3:35
